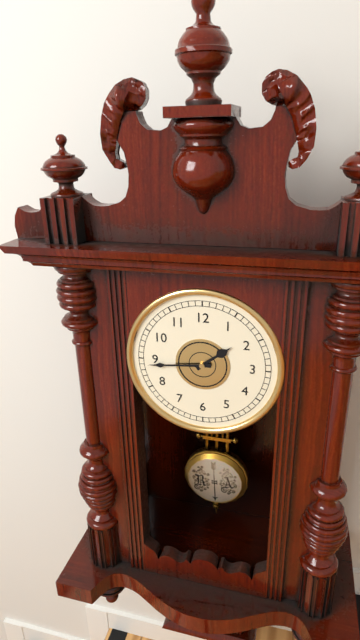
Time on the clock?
1:44
